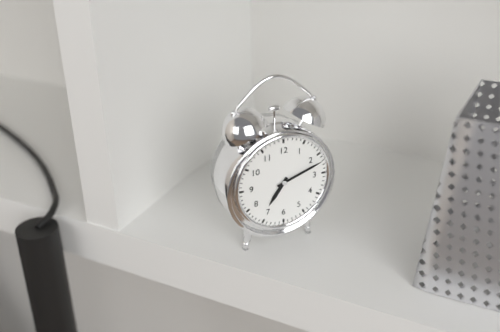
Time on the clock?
7:12
